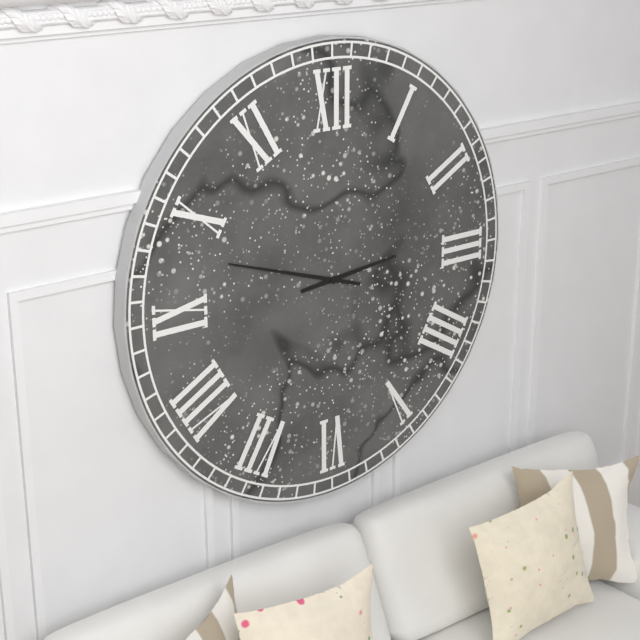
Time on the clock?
2:48
